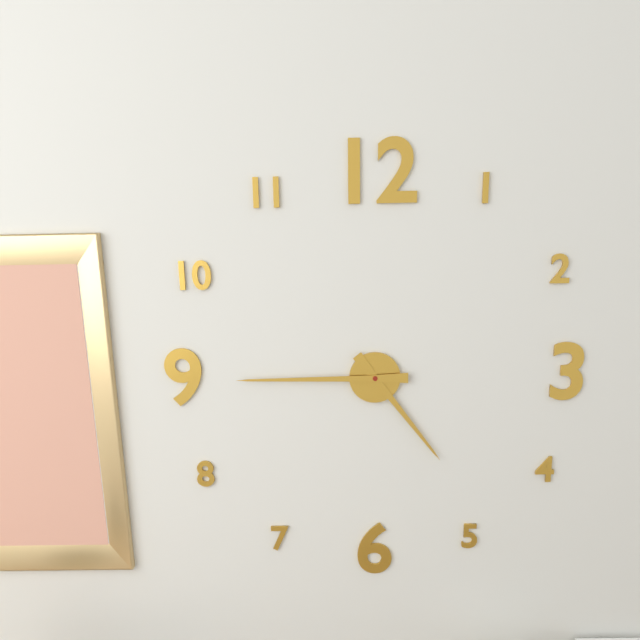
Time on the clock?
4:45
